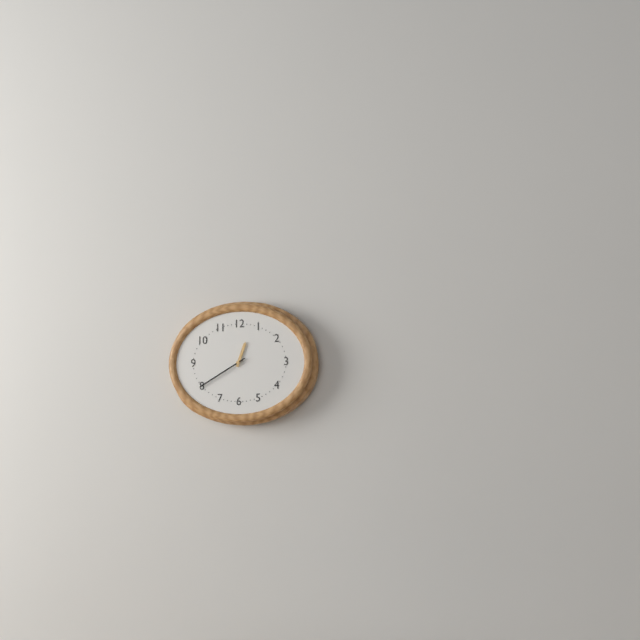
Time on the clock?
12:40
